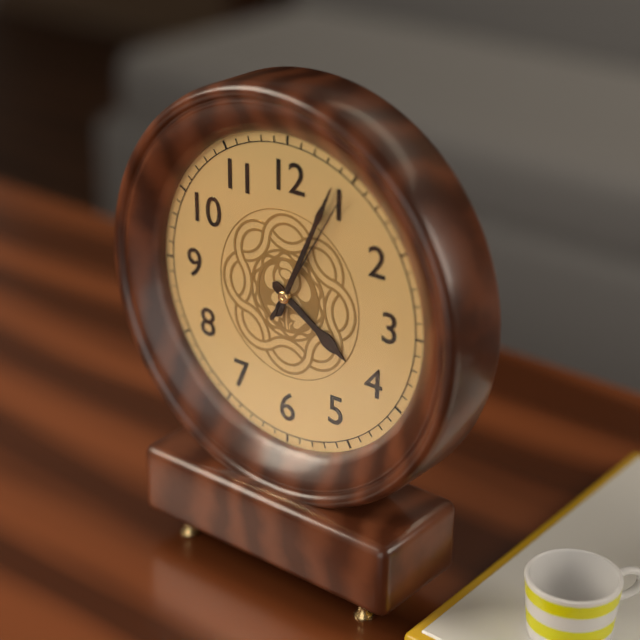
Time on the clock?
4:04:05
